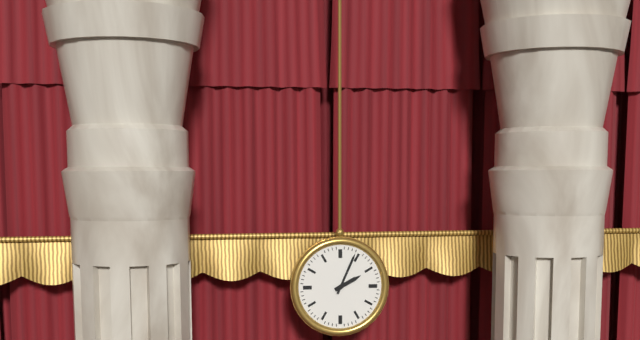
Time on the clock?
2:04
